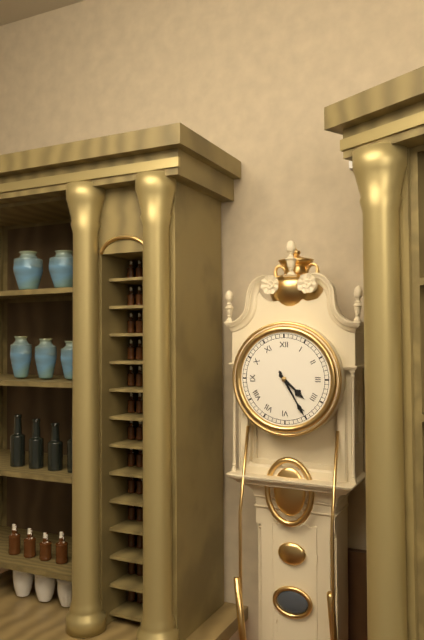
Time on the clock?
4:25
